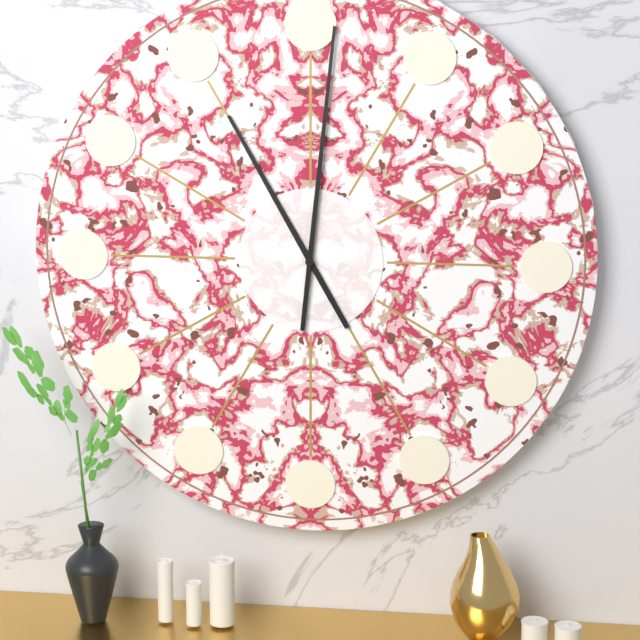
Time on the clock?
11:01
